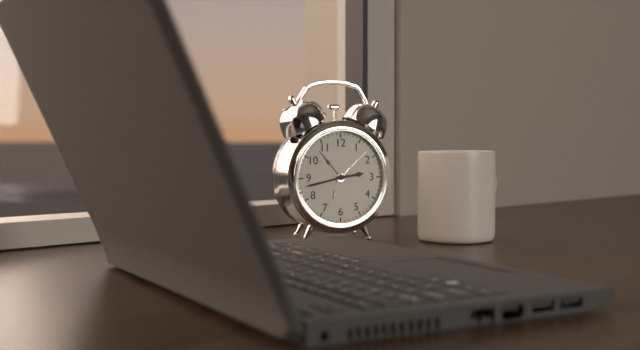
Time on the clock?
2:43
